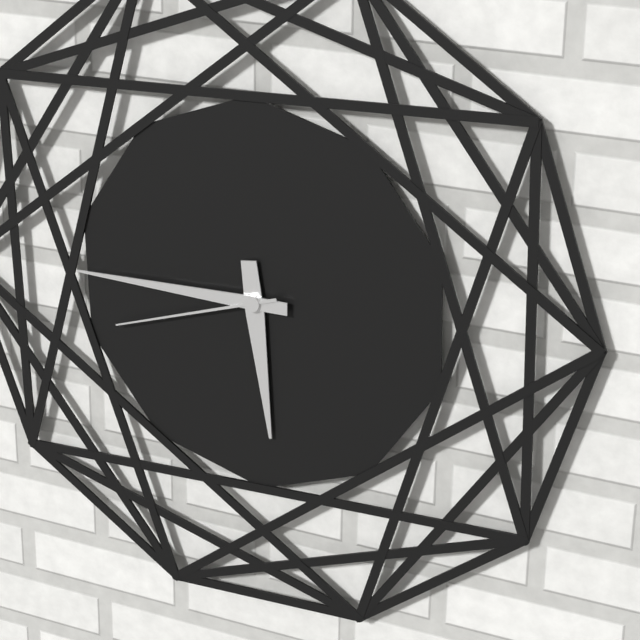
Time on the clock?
5:45:42
